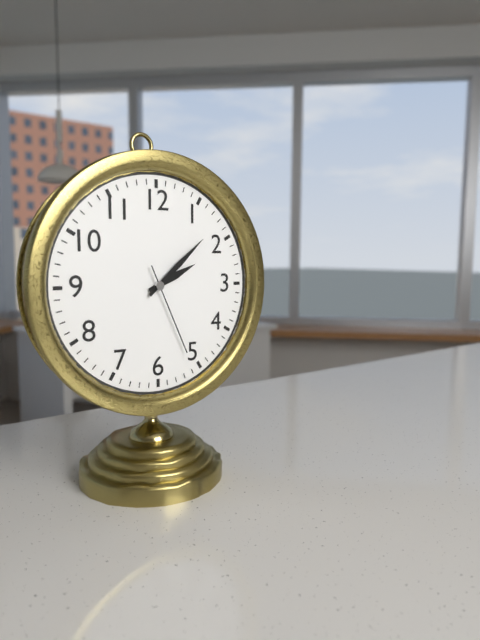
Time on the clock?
2:08:26
